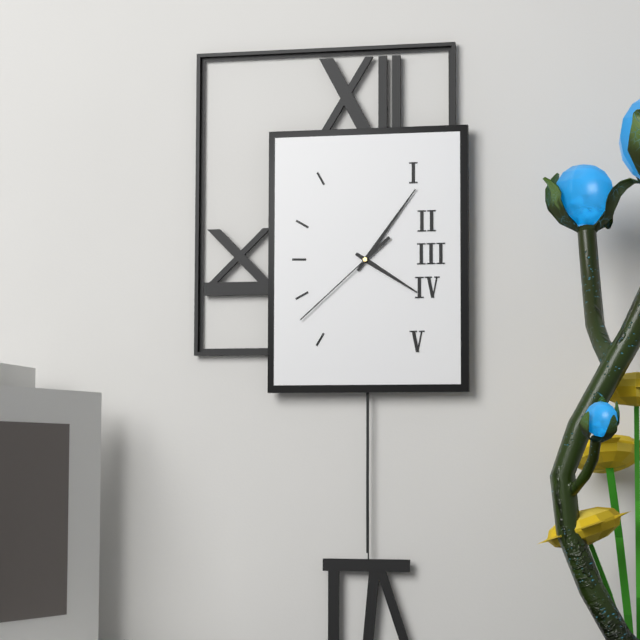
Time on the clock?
4:06:38
